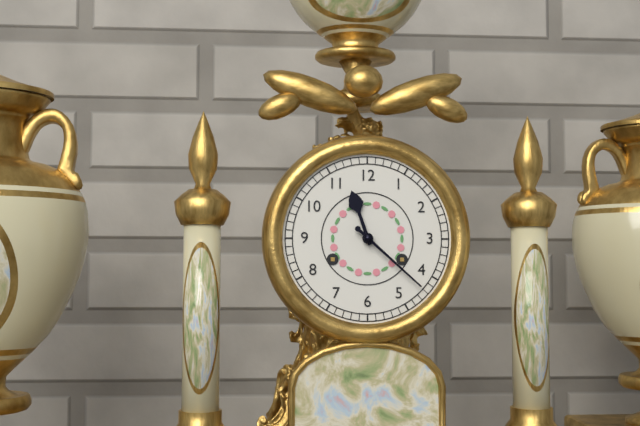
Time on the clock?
11:22
